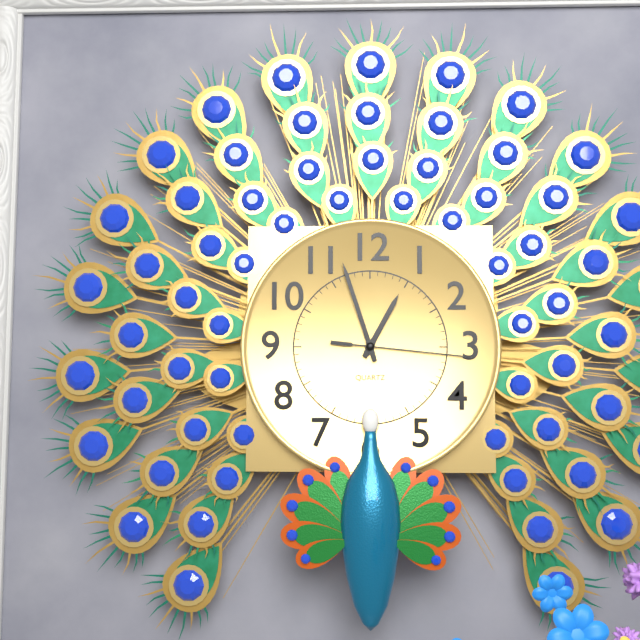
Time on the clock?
12:57:16
